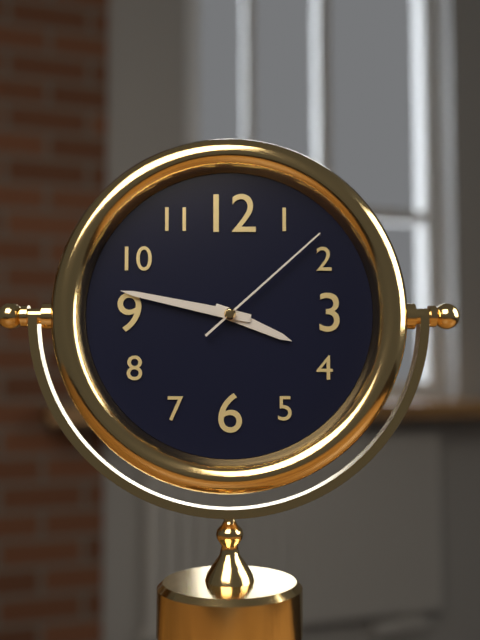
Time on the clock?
3:47:08
